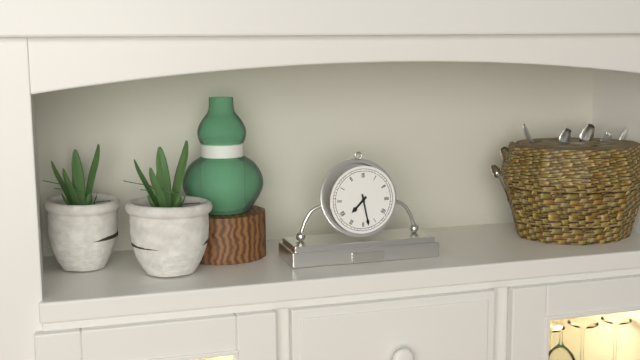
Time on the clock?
7:28
